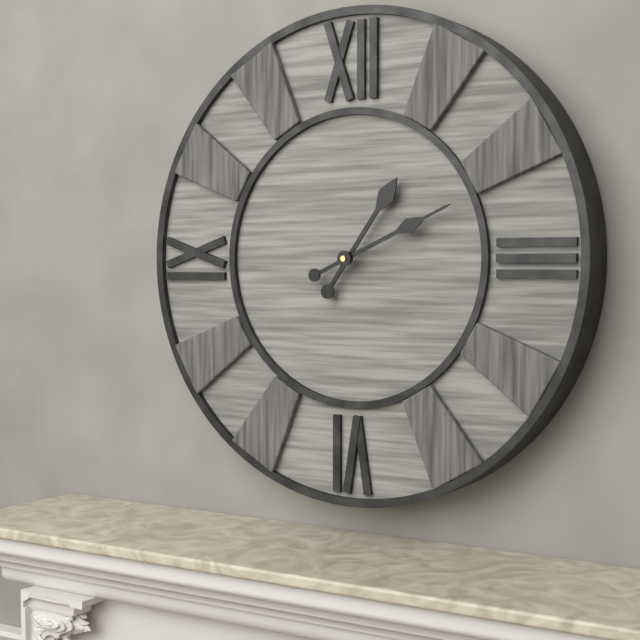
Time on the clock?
1:11
